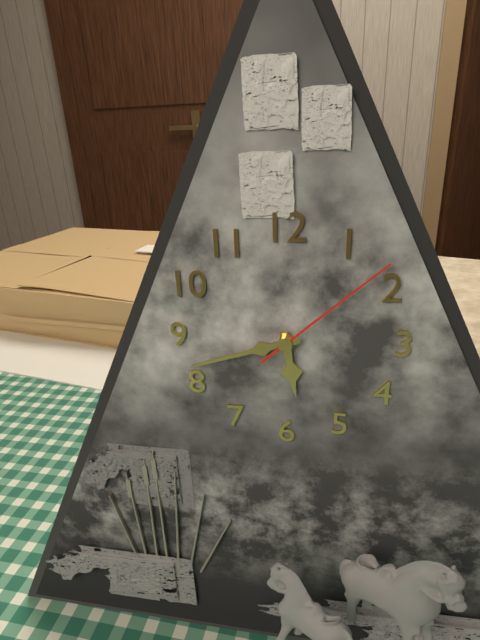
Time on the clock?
5:42:08
